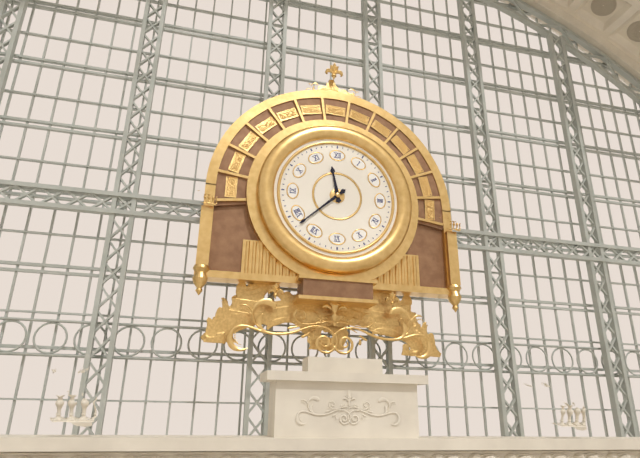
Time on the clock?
11:38
